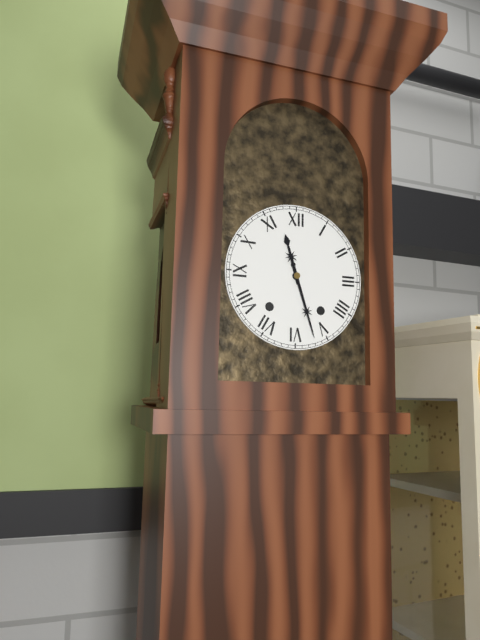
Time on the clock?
11:27
